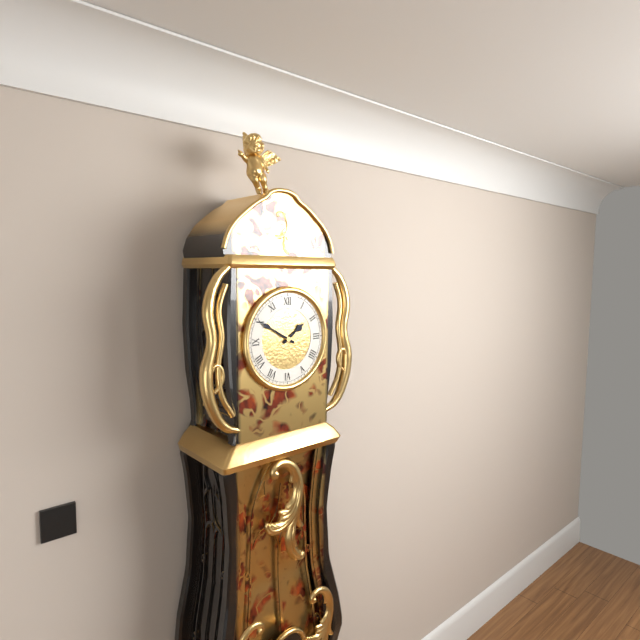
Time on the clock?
1:50
